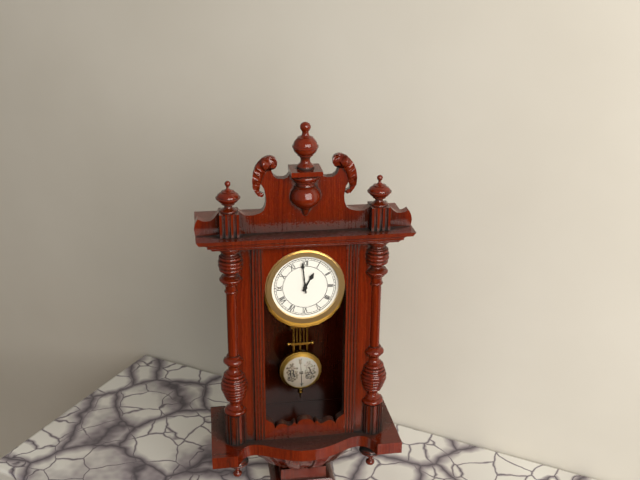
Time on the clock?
12:59
